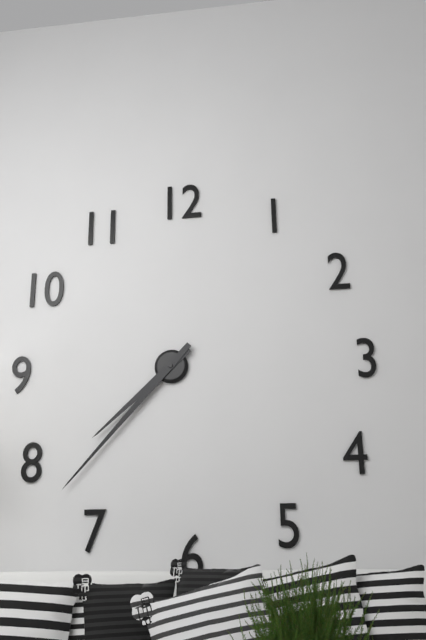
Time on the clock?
7:37
